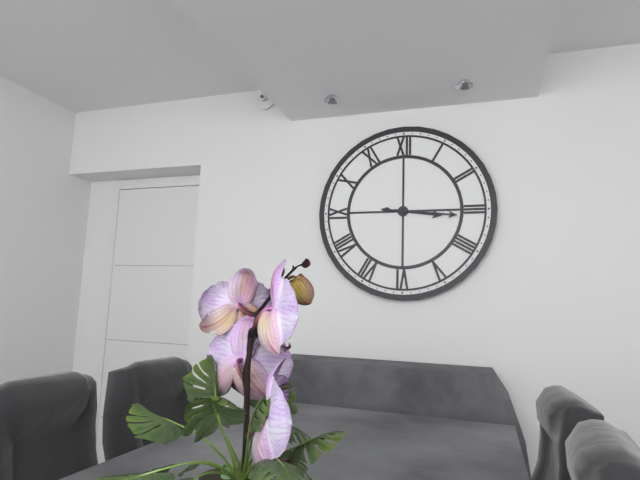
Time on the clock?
3:16
